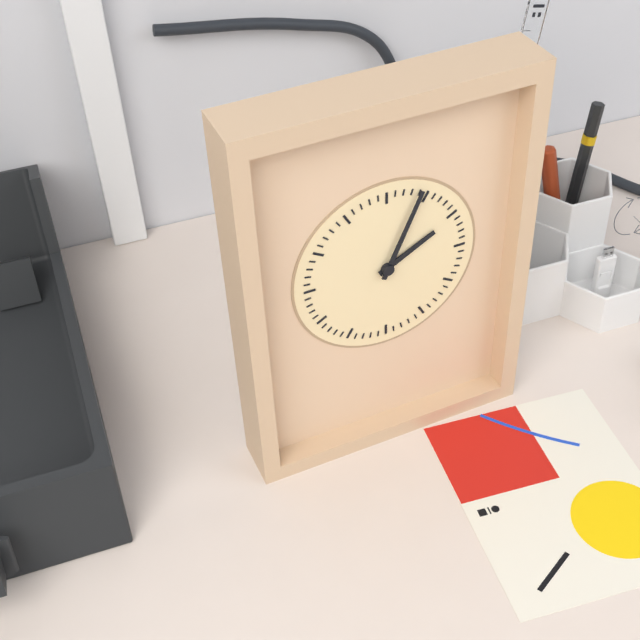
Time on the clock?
2:04
